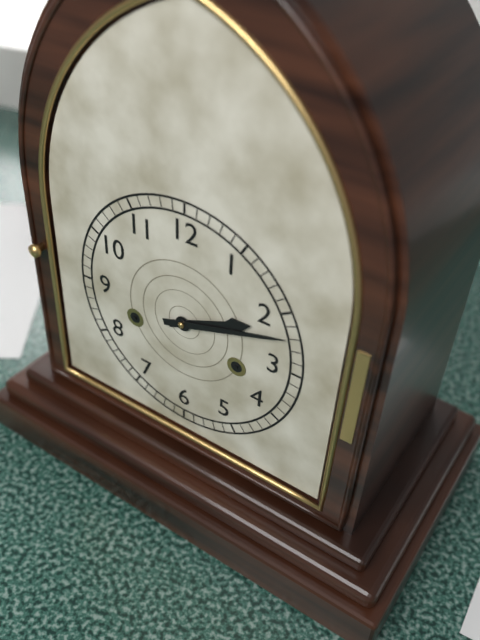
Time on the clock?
2:12
